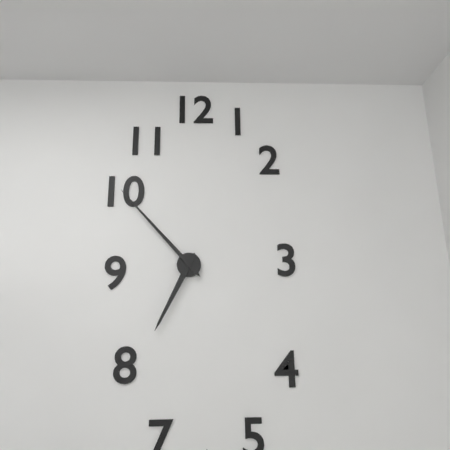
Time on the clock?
6:53
